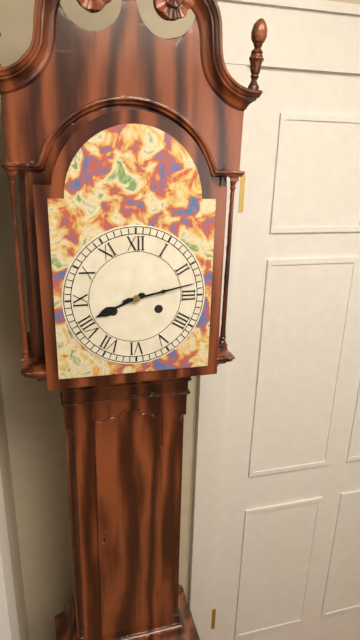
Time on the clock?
8:13
